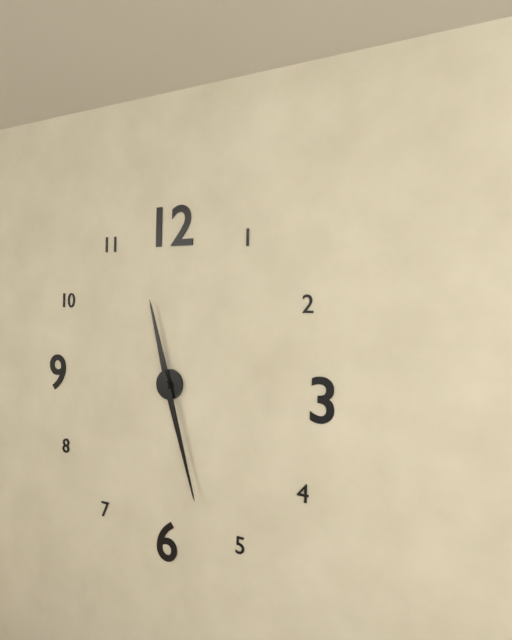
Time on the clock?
11:27
